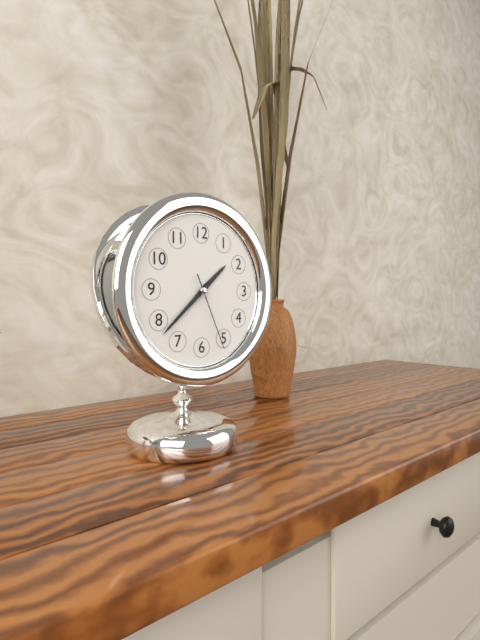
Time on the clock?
1:38:26
